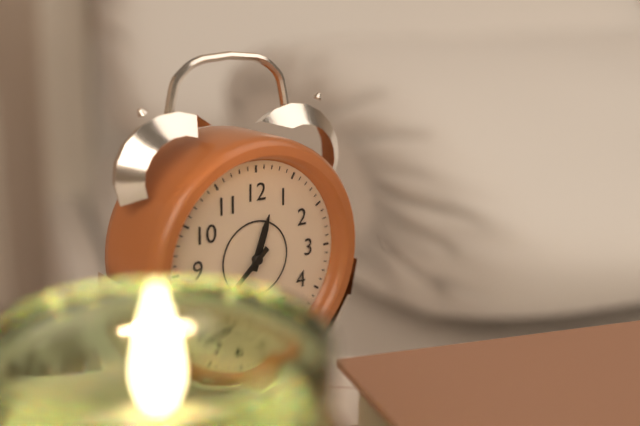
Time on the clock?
12:38
